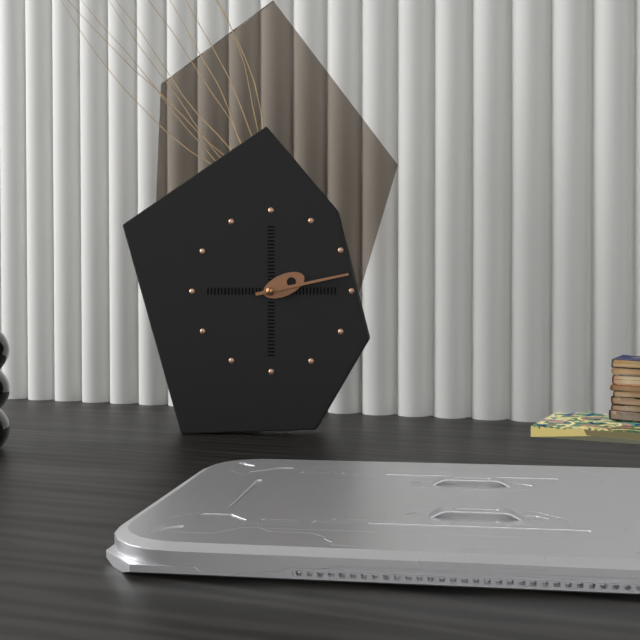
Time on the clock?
2:13
